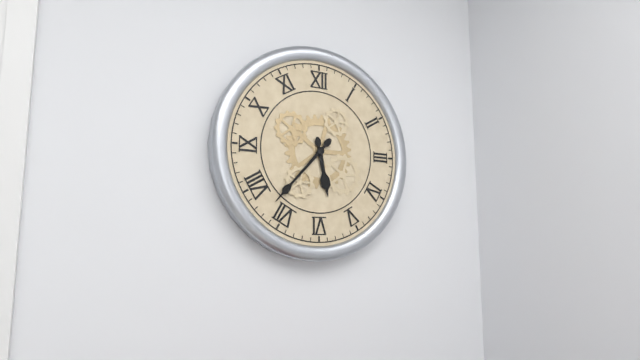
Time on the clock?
5:37
